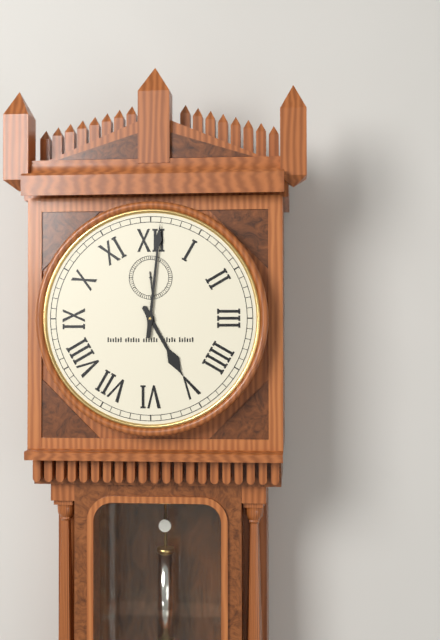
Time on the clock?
5:01
